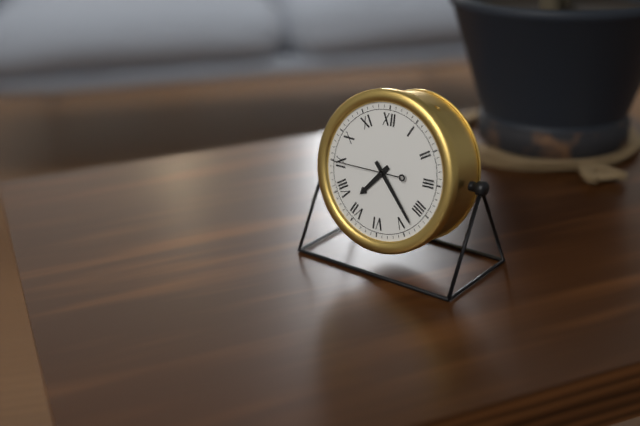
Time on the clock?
7:23:45
